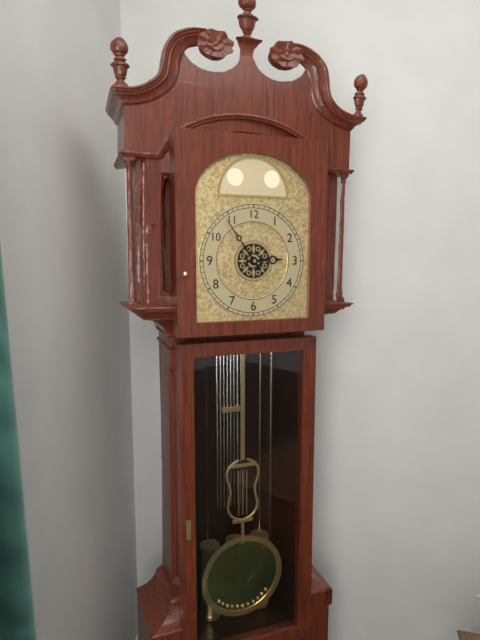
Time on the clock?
2:54
